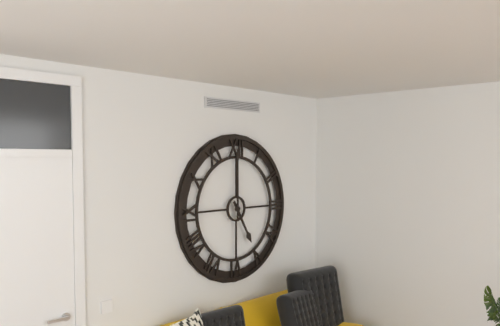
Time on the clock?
5:00
